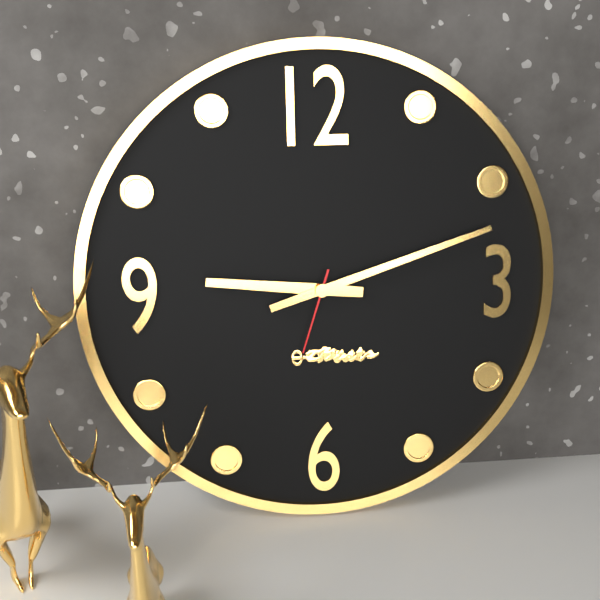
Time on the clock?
9:12:33
